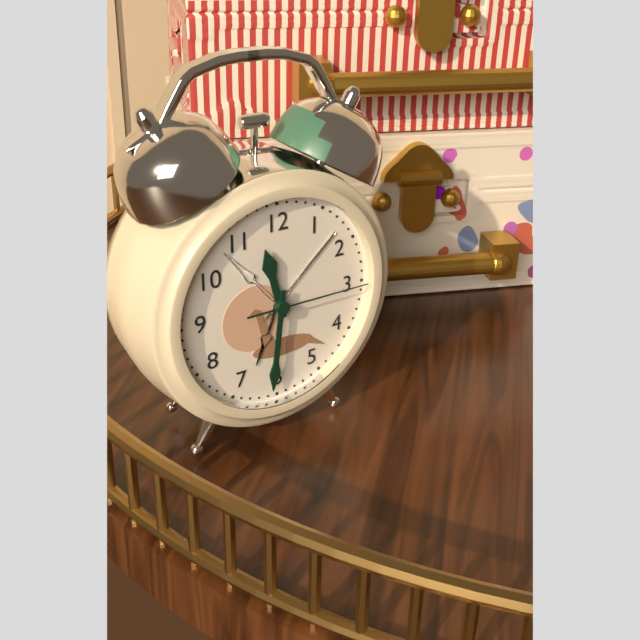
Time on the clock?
11:31:15
